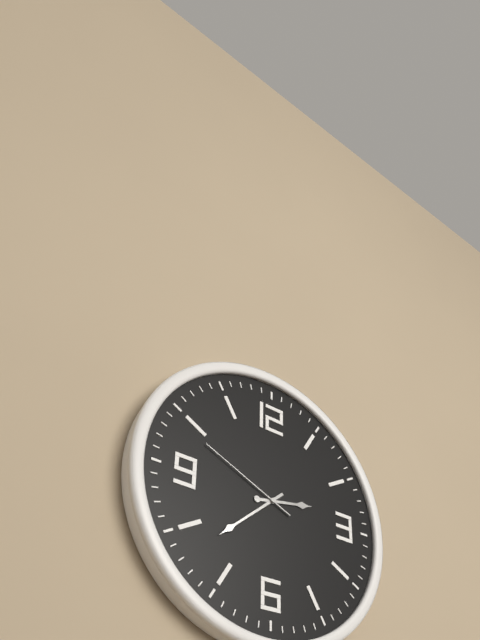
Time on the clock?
2:38:49
